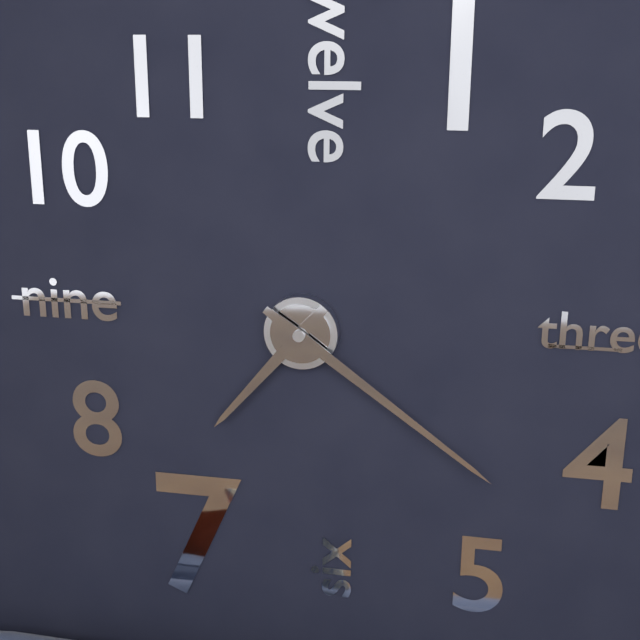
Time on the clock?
7:21
